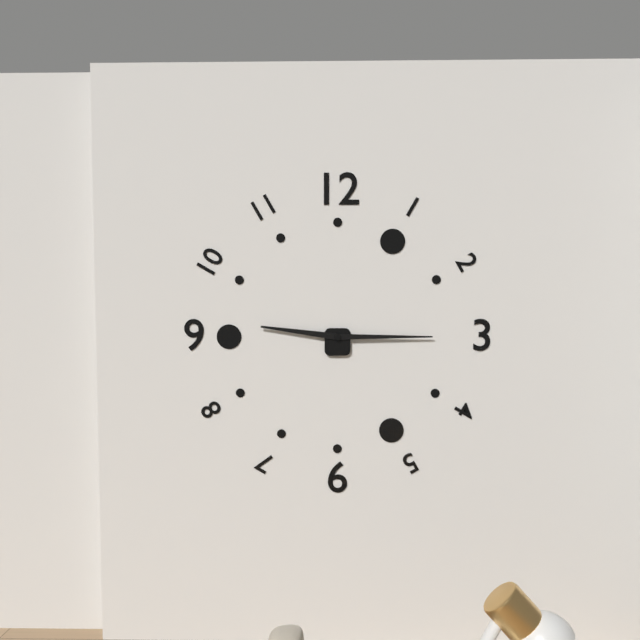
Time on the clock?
9:15
